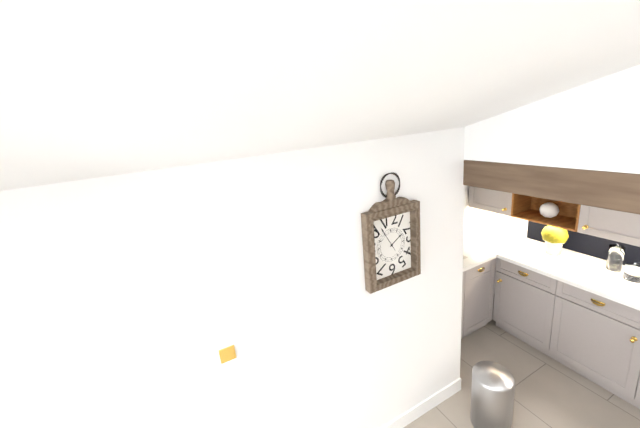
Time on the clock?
1:55
